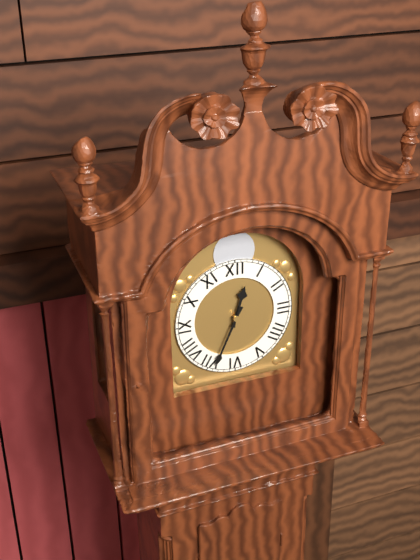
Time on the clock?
12:34
